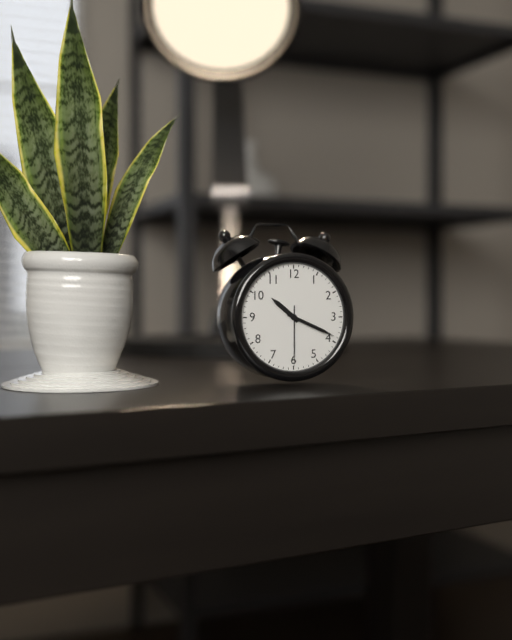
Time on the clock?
10:19:30
